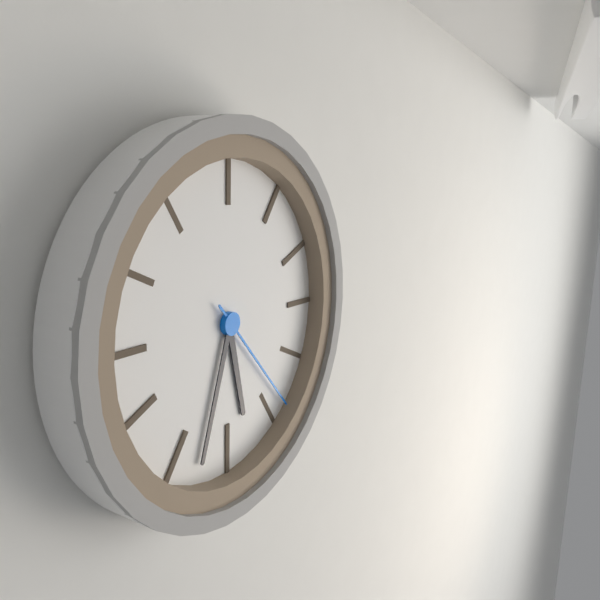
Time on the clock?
5:33:23
